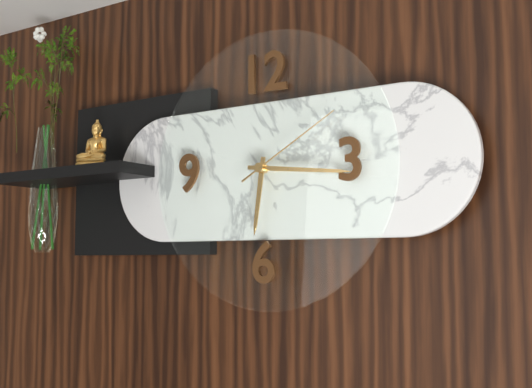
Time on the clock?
6:16:10
